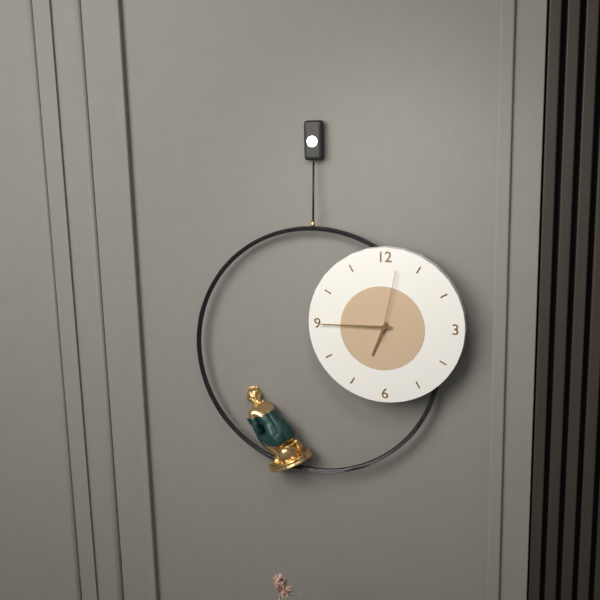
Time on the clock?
6:45:02
